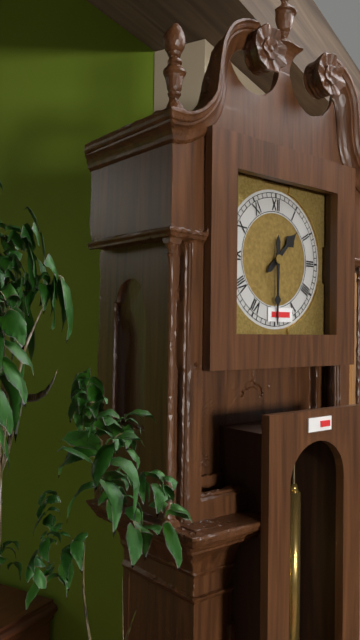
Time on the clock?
1:30
